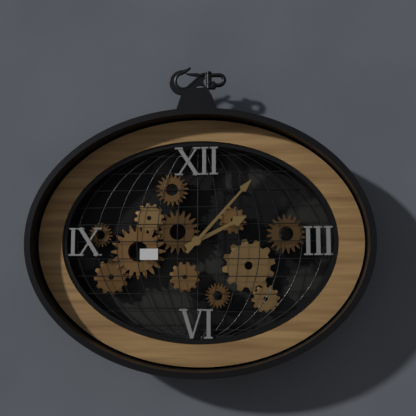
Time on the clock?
2:07
